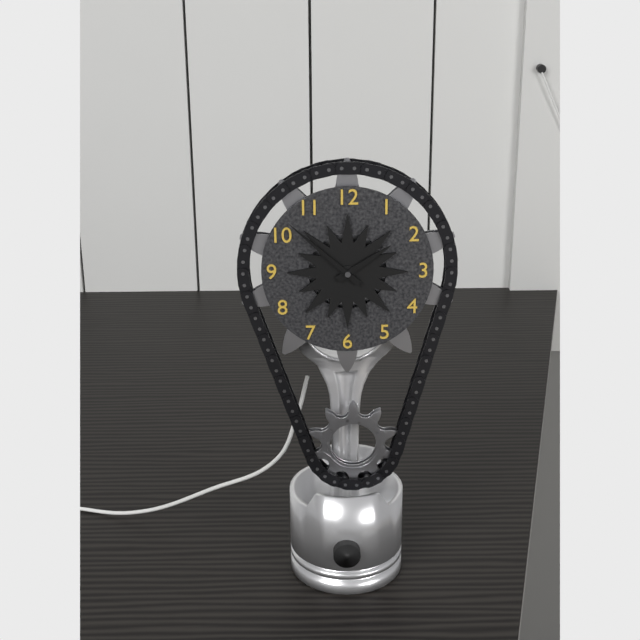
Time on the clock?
1:52
